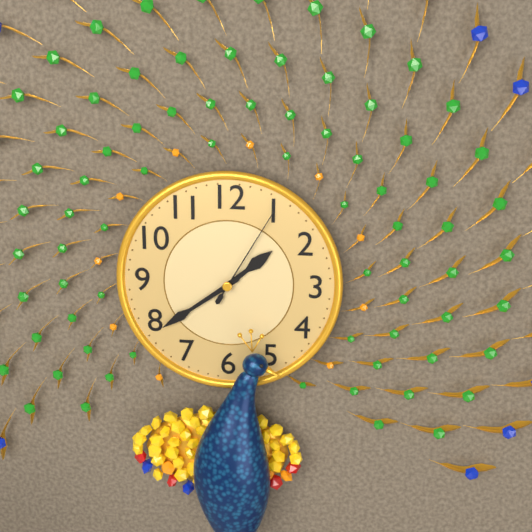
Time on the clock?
1:39:05
